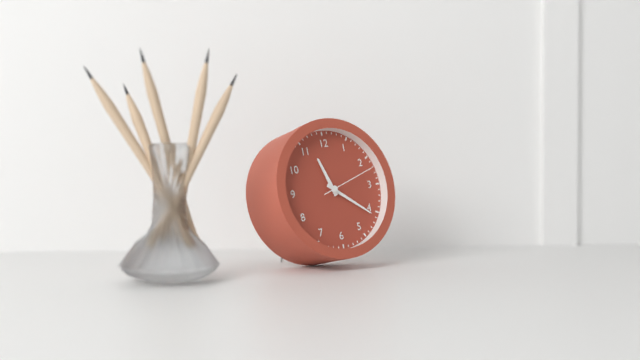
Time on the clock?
11:21:12
